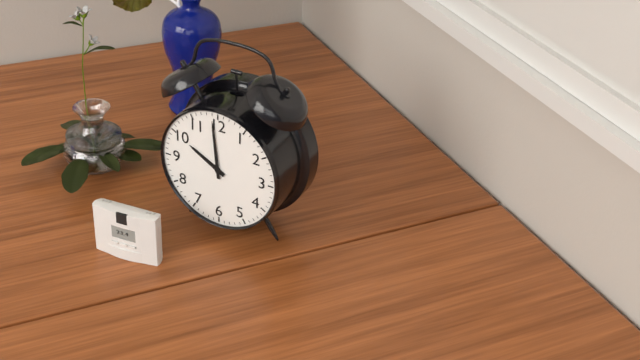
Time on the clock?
9:59
